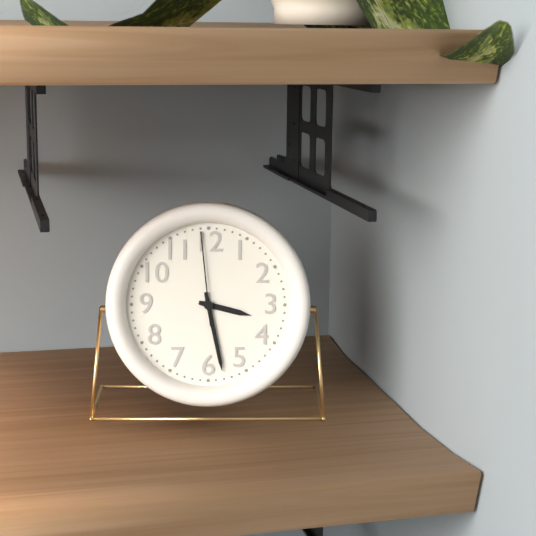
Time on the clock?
3:28:59
